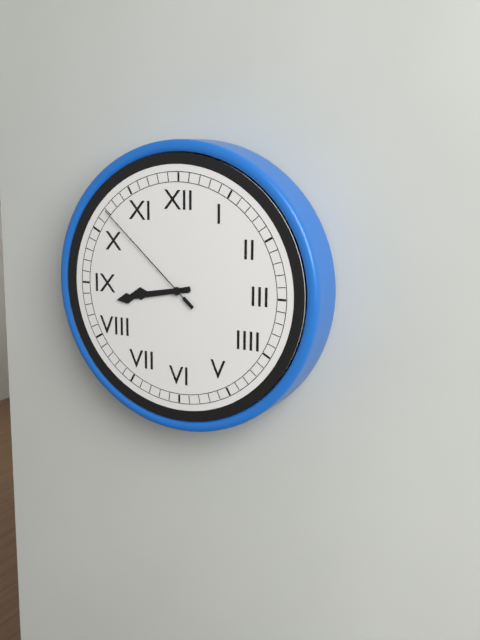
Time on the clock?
8:43:52
